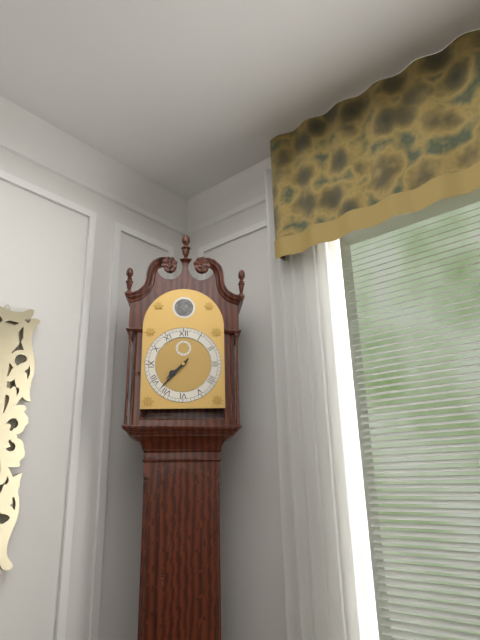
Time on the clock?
7:37
